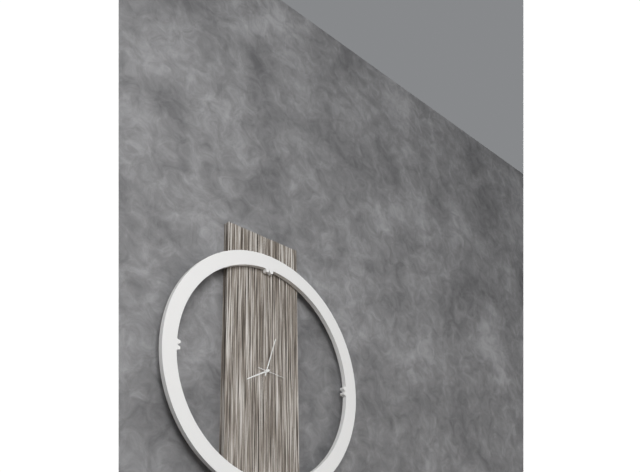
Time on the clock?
8:03
